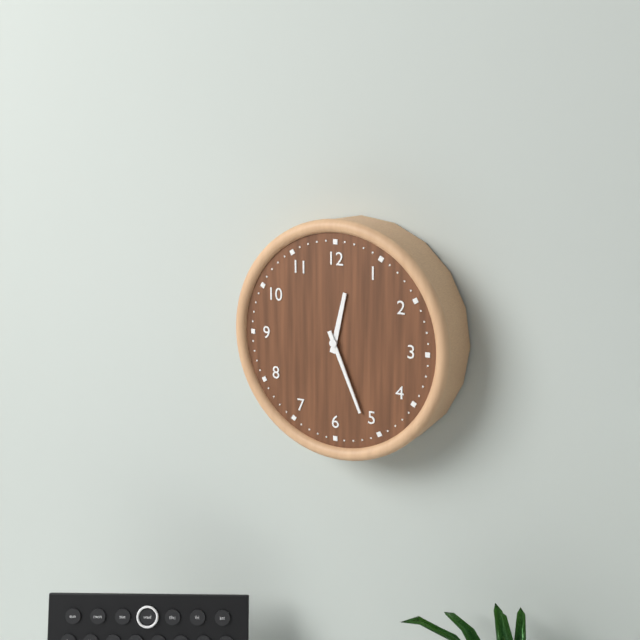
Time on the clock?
12:26
